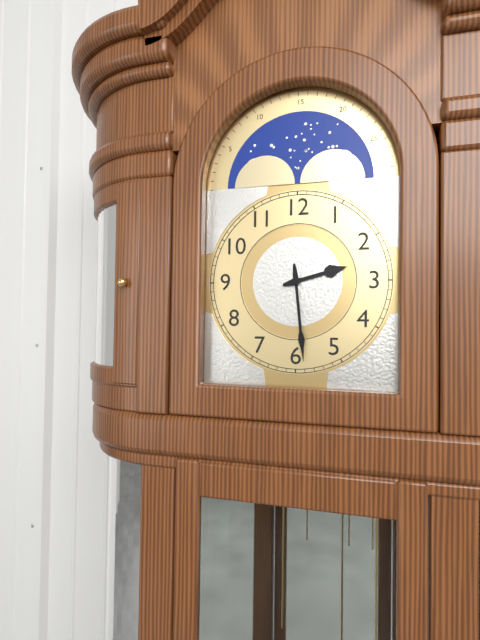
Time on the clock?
2:29
